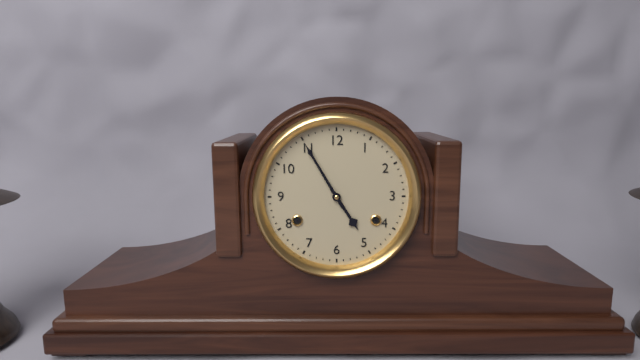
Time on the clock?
4:55
